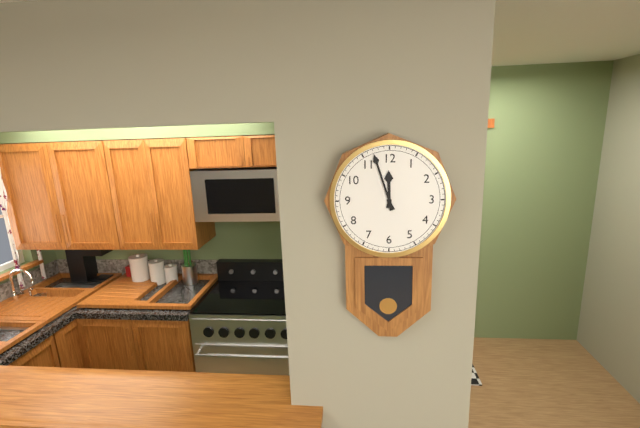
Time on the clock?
11:57
